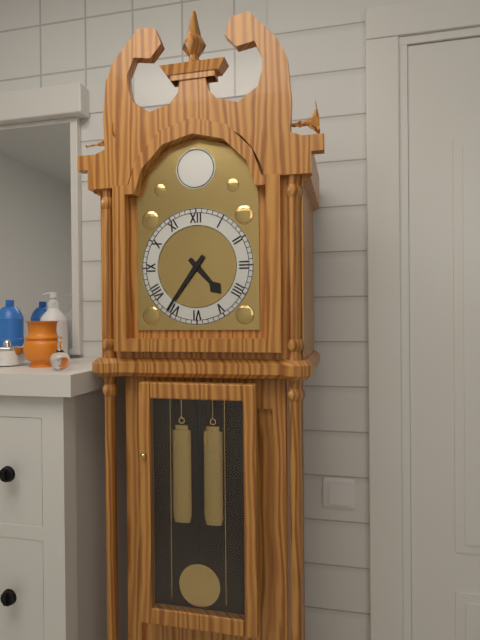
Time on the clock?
4:36
